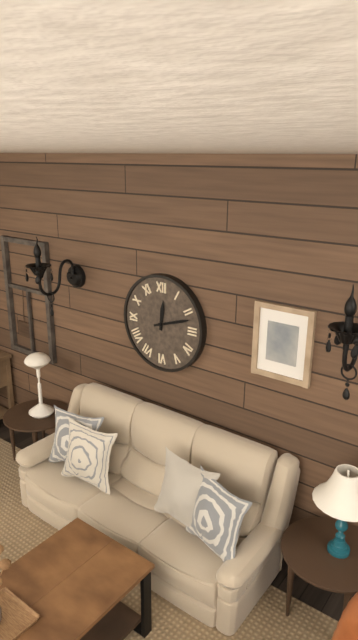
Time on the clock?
12:12
